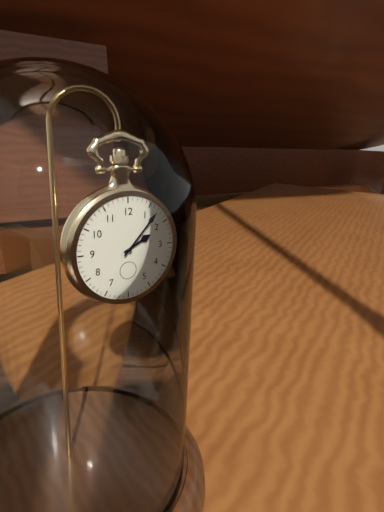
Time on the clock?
2:07
